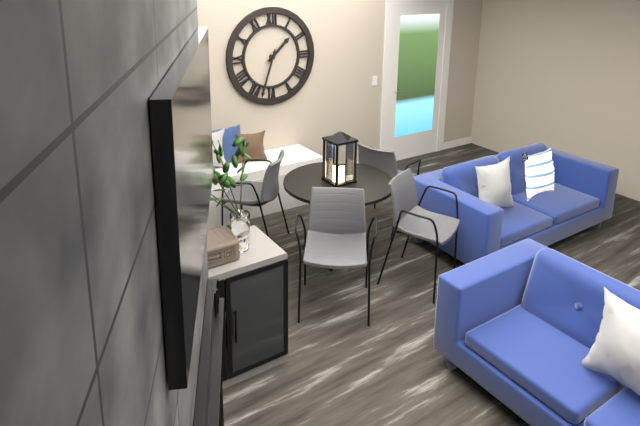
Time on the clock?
1:33
